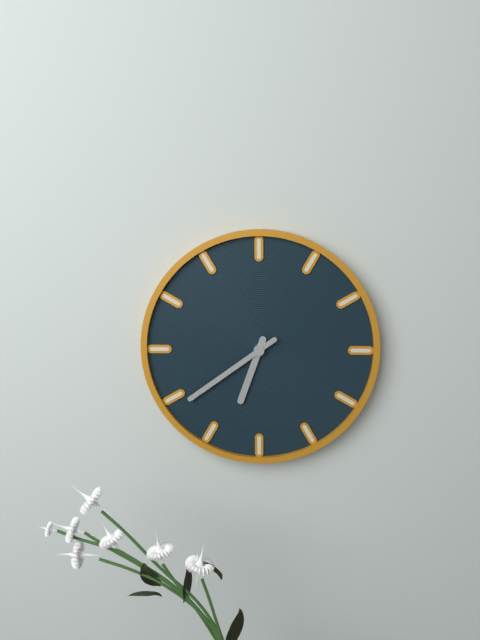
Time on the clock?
6:39
